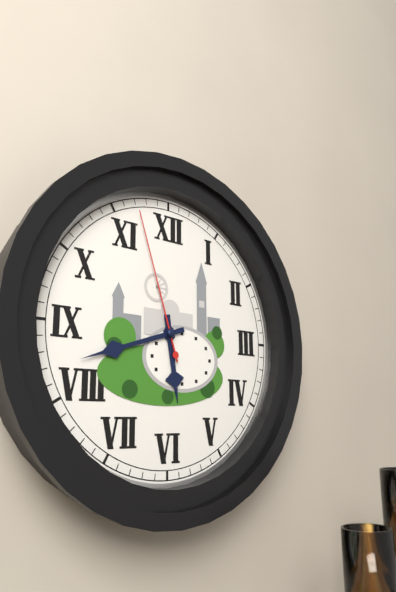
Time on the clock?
5:42:57
